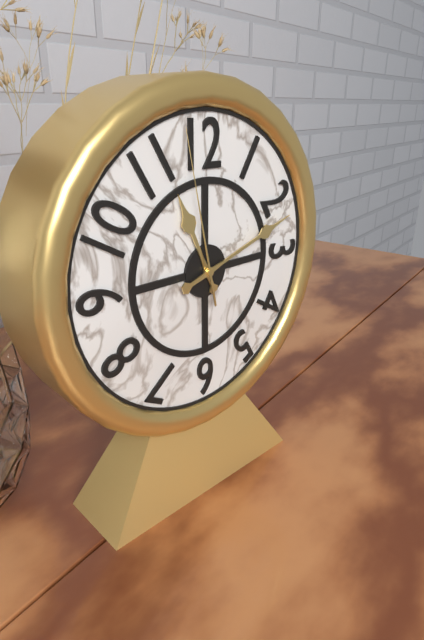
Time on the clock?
11:12:58
